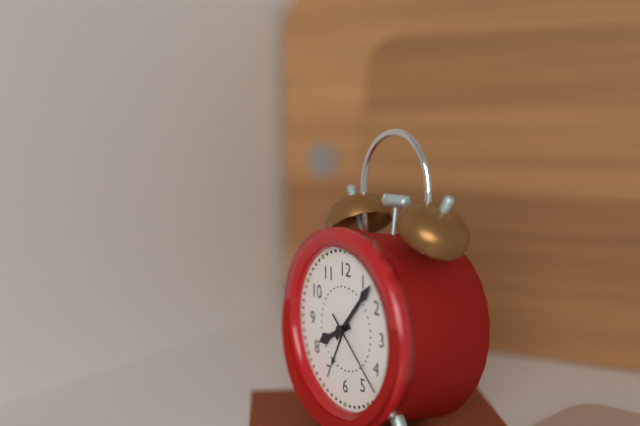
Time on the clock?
8:07:22
